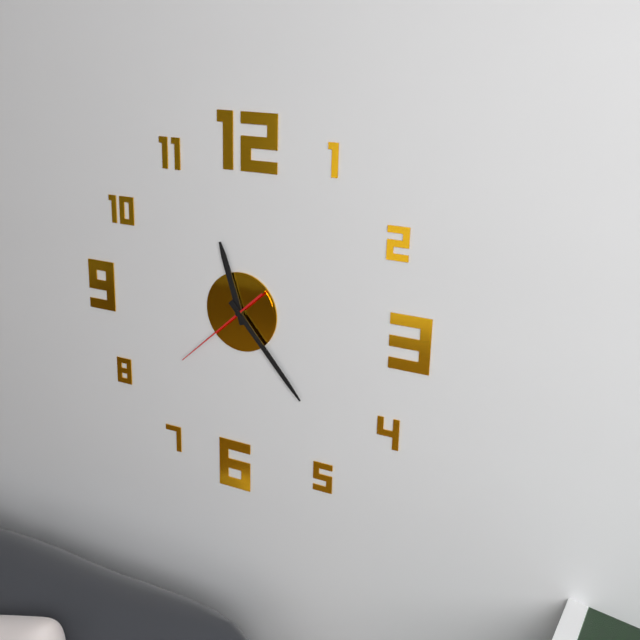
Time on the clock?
11:23:38
